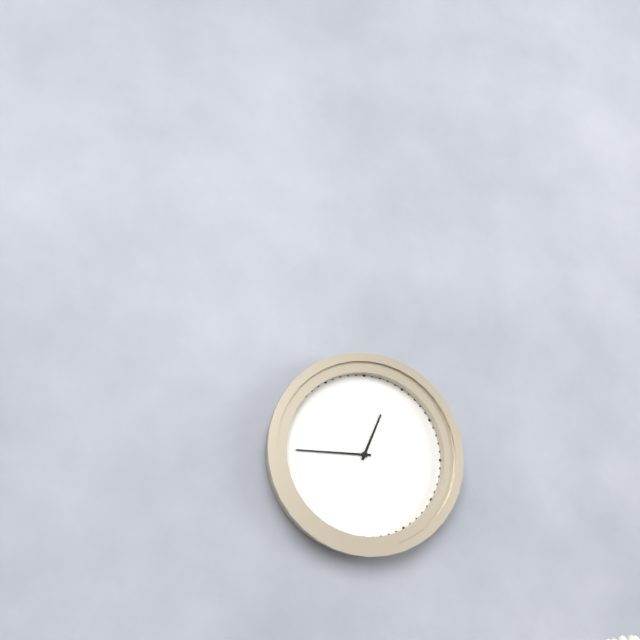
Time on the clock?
12:45
